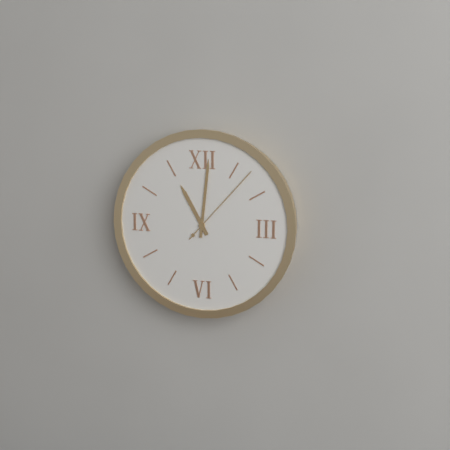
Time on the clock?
11:01:07
